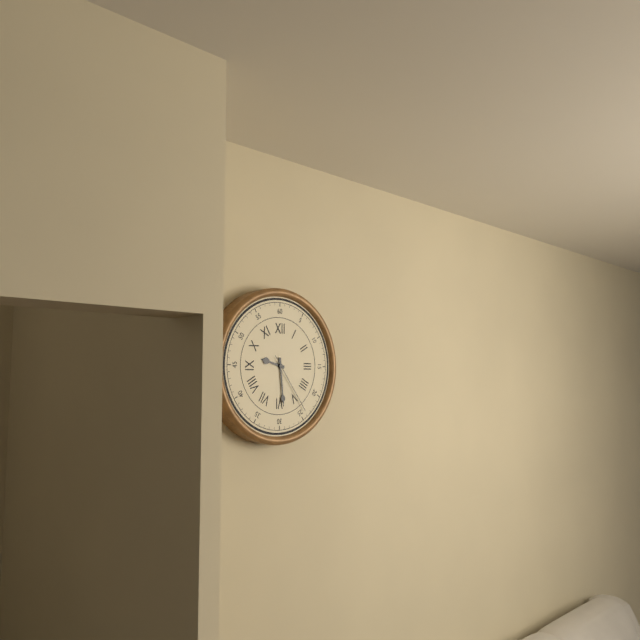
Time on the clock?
9:29:24
